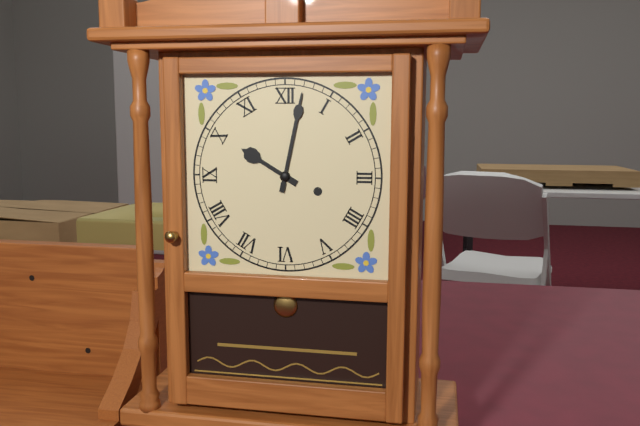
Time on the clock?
10:02
